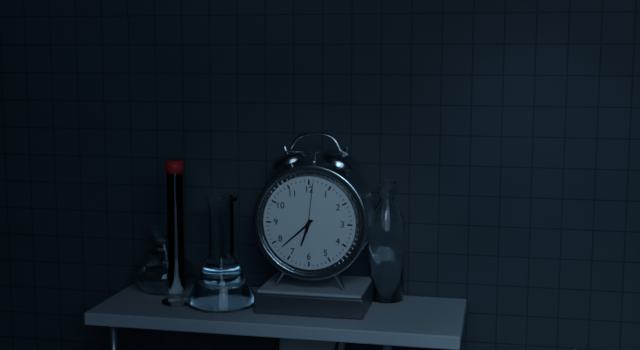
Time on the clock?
6:38:01
